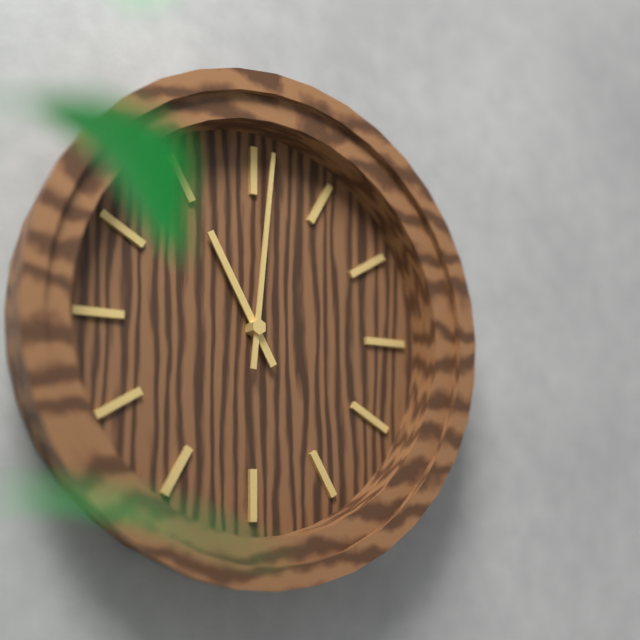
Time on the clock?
11:01
